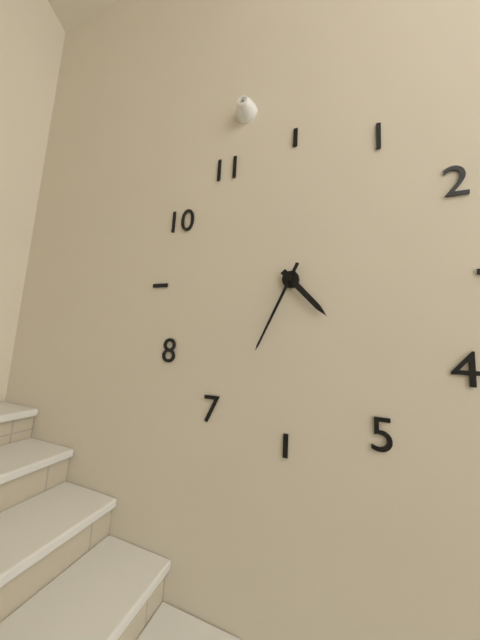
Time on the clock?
4:34
